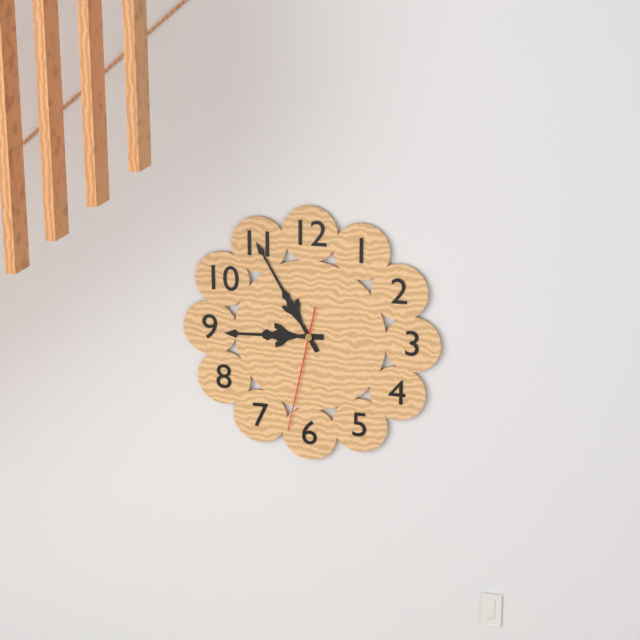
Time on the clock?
8:55:32
